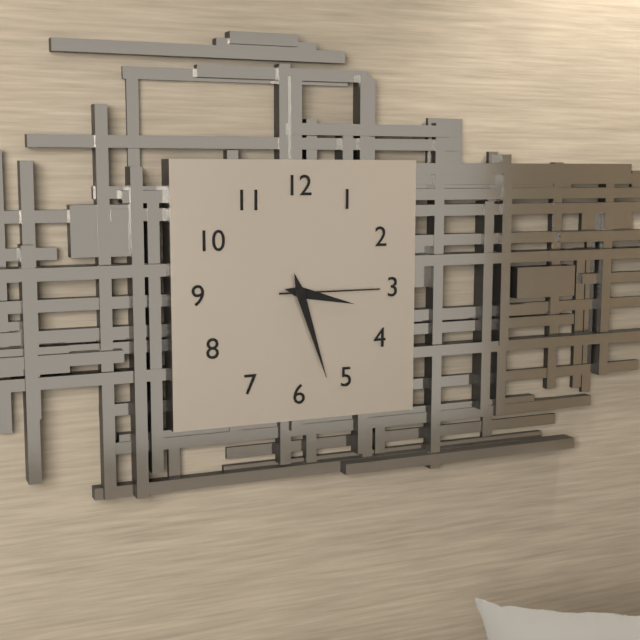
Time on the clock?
3:27:15
